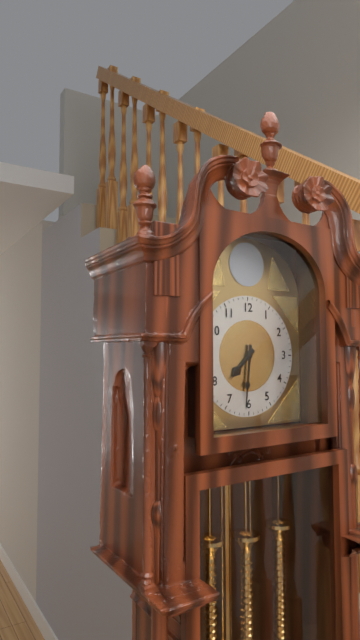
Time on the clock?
7:31
